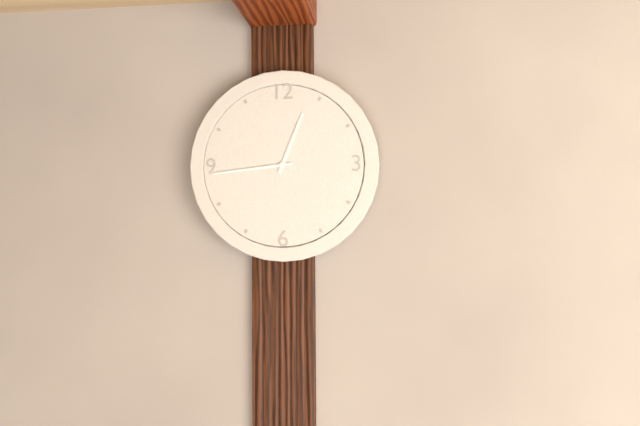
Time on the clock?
12:44
